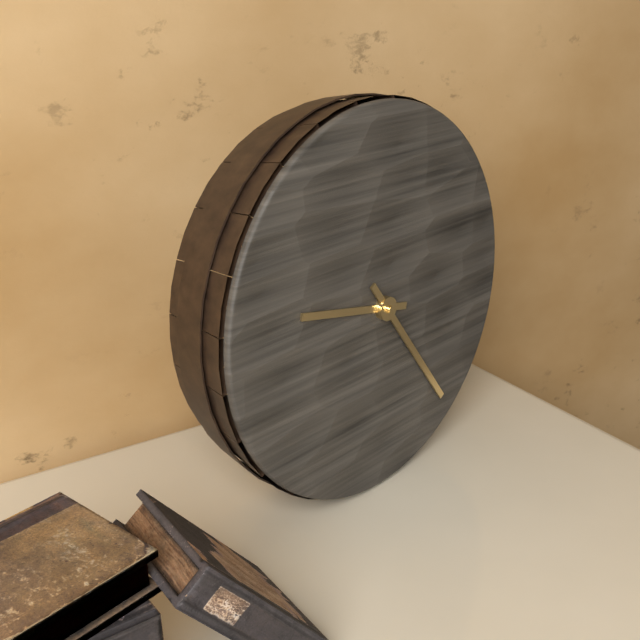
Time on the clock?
9:24
